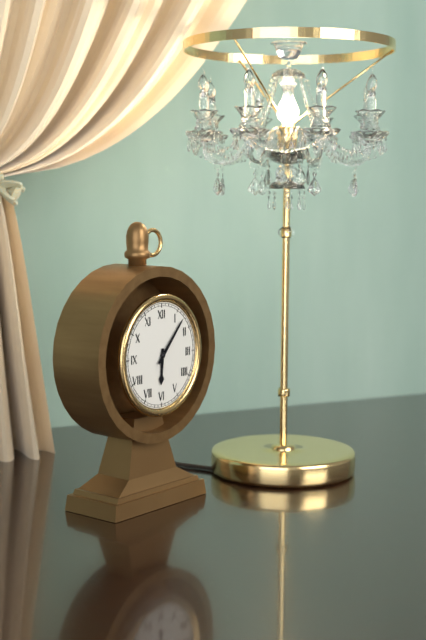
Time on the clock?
6:07
